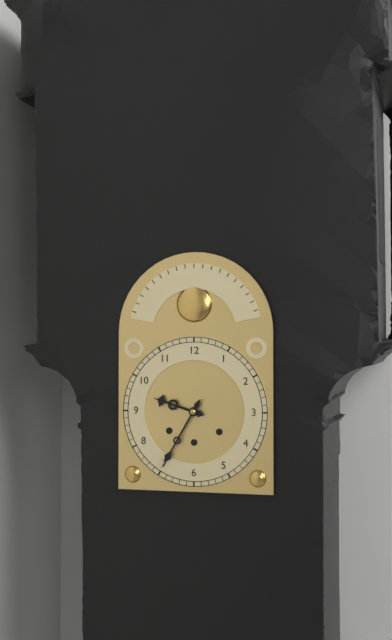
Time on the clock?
9:35
